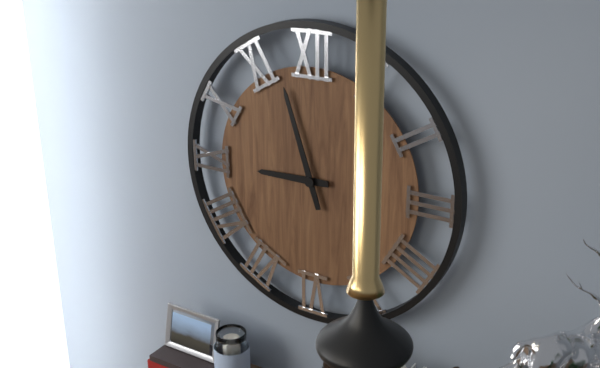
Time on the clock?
8:57
